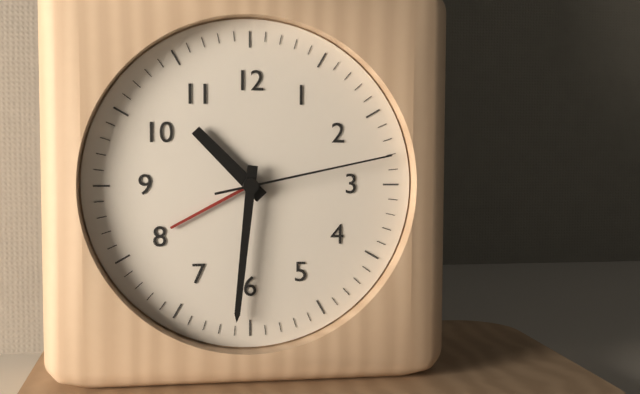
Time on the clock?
10:31:13
